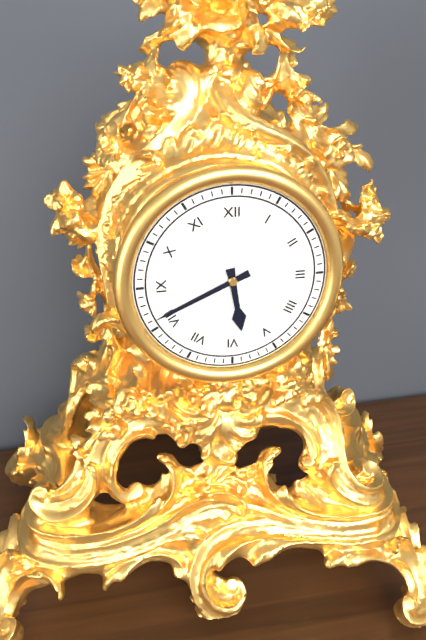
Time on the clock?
5:41
